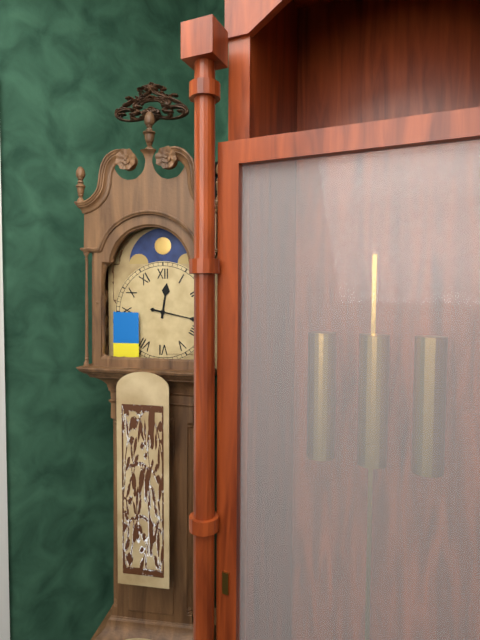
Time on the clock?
12:17
